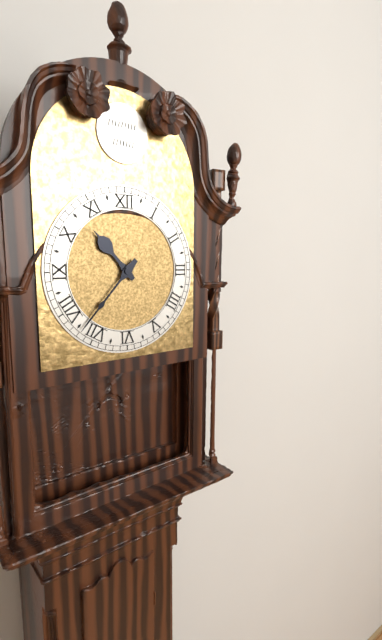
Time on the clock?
10:37
